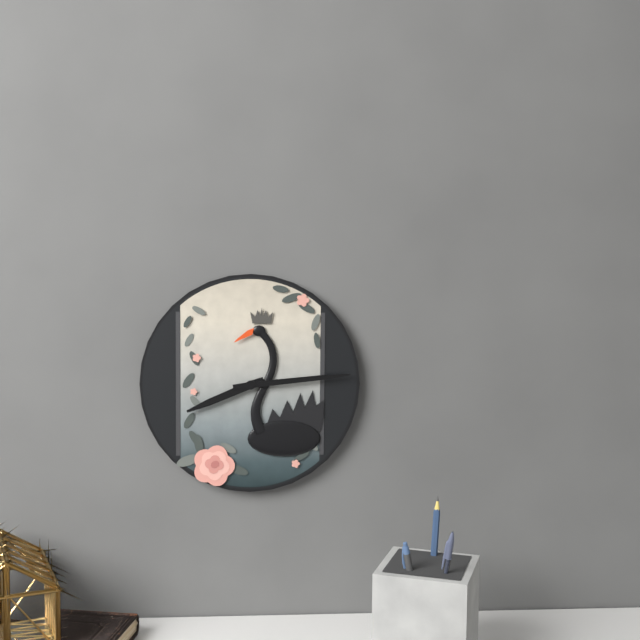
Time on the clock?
8:14
